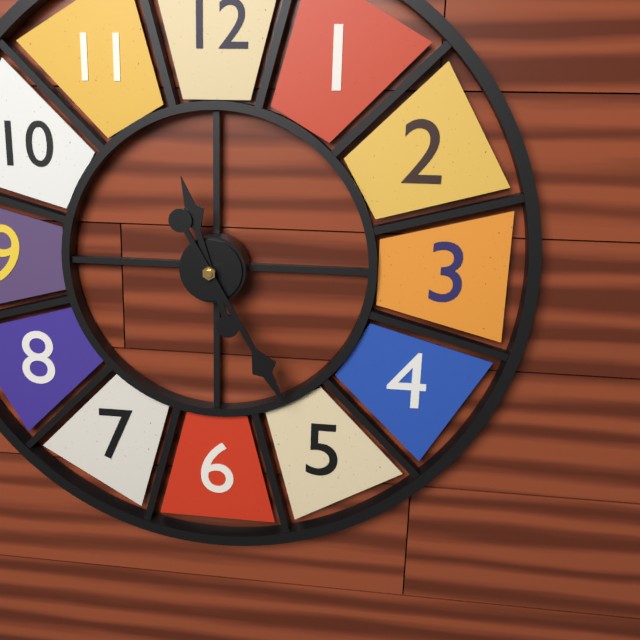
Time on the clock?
11:25
